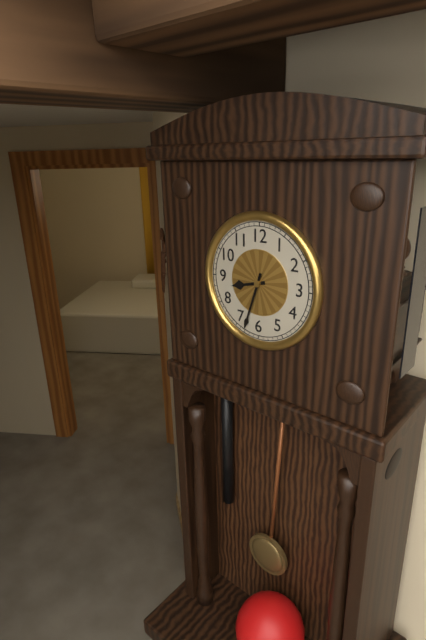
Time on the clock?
8:33
